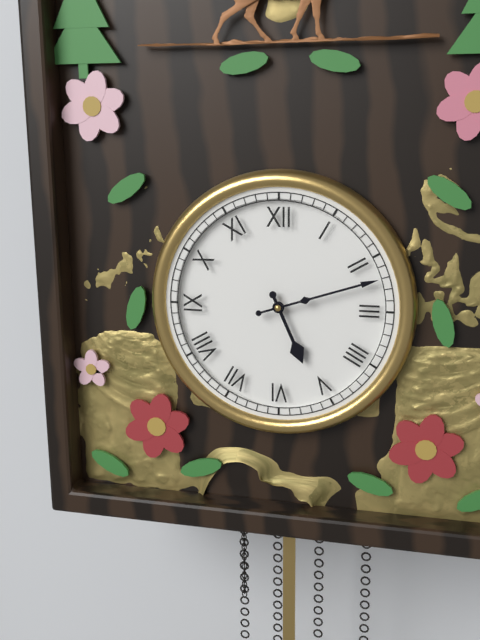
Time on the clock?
5:12
